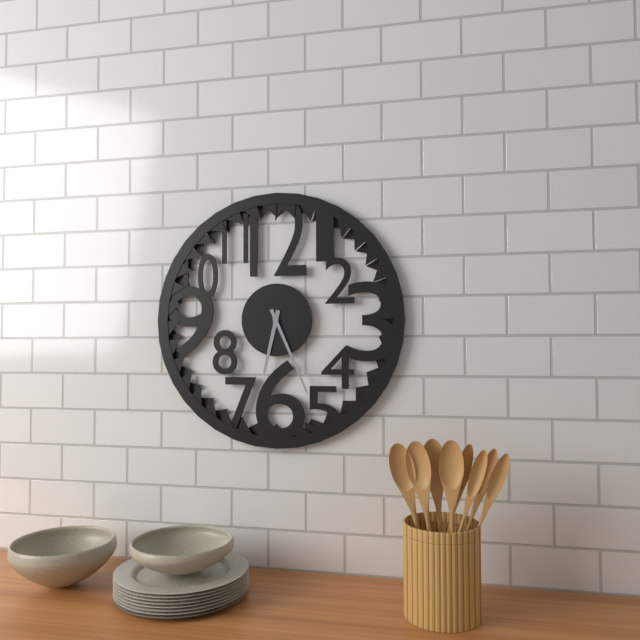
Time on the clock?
6:26
